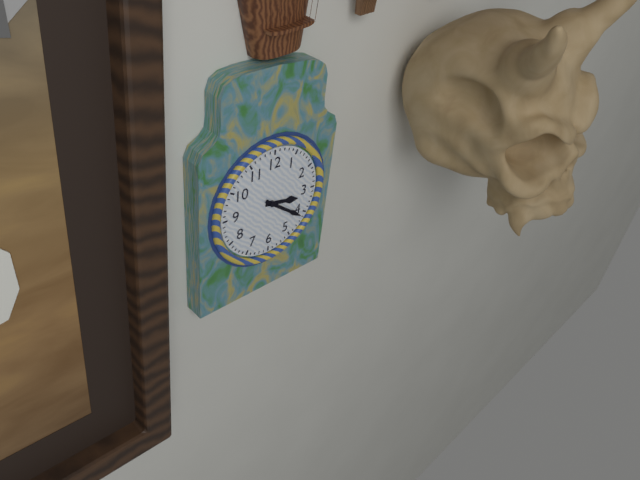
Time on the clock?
3:21
